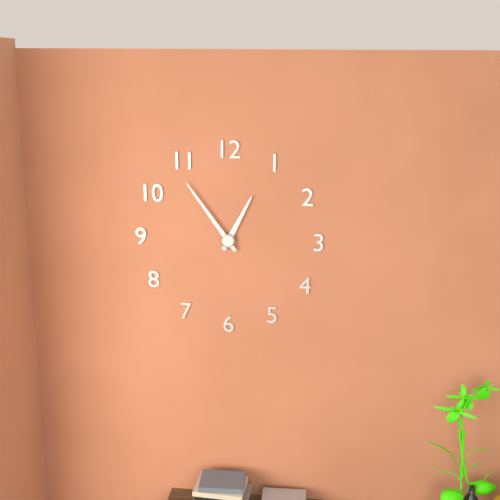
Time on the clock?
12:54
